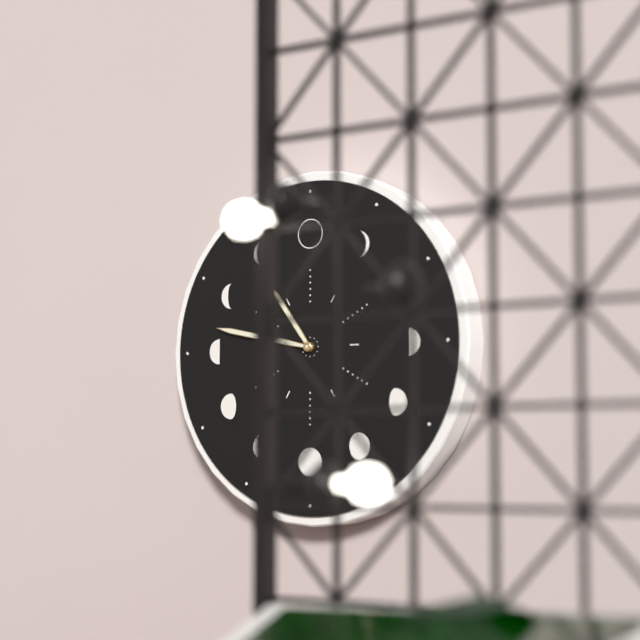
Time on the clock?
10:47
